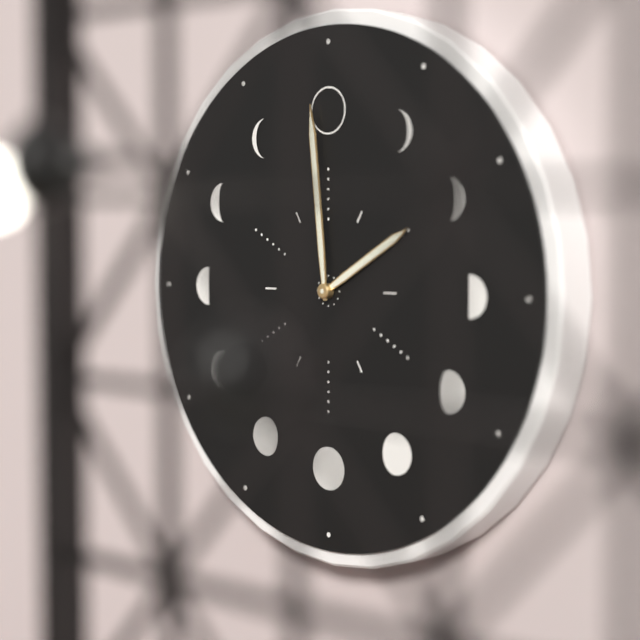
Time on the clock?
1:59
